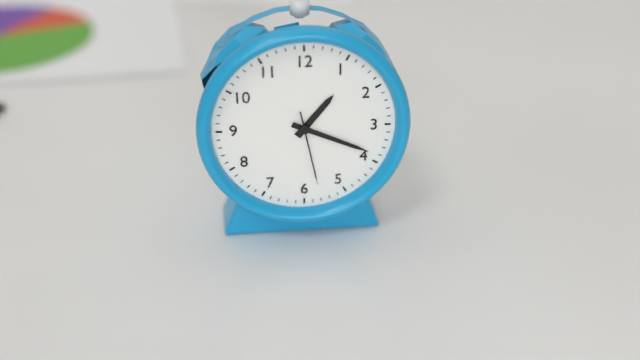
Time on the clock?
1:19:28
